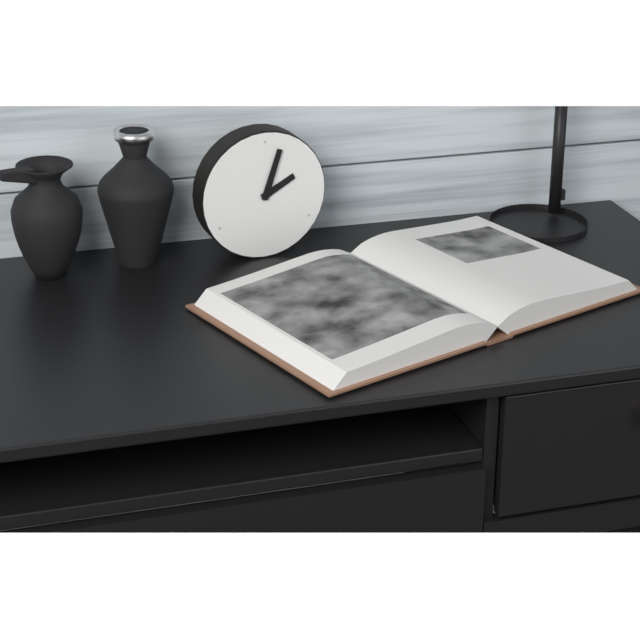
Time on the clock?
2:03
